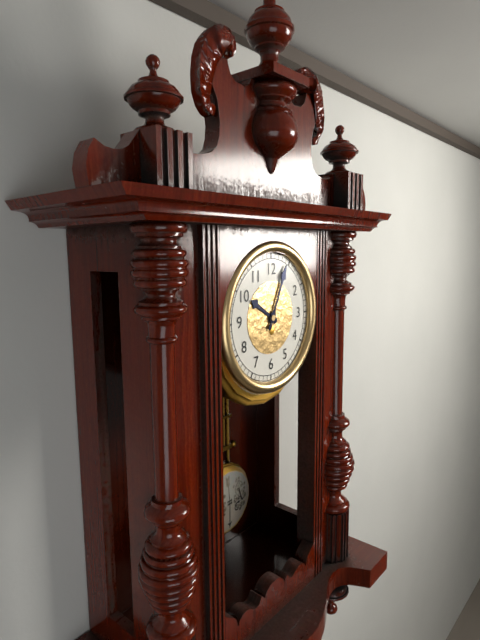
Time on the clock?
10:04
